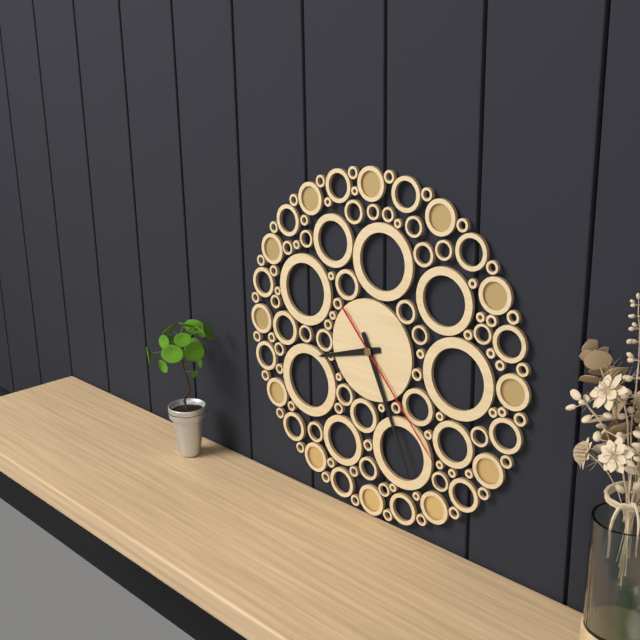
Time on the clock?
8:26:23
